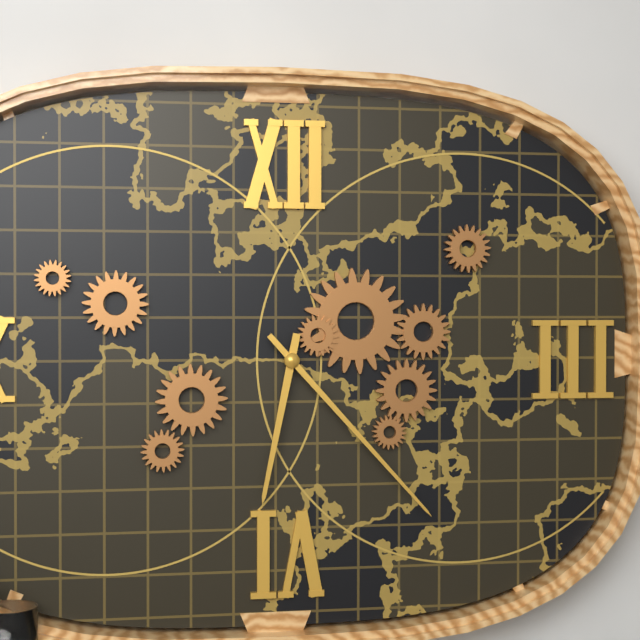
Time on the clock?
6:23
